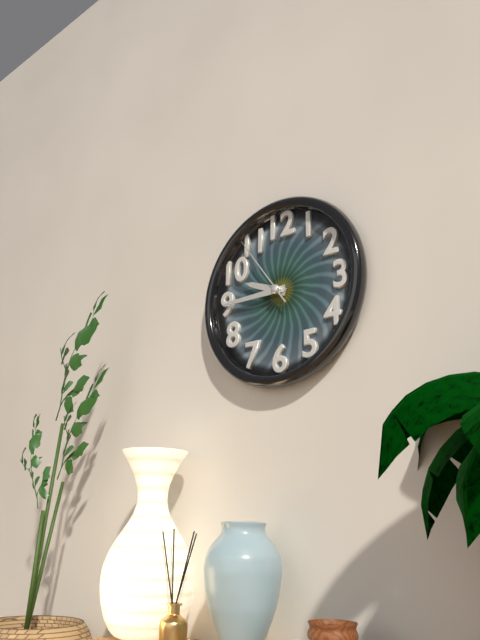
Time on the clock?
9:45:54
